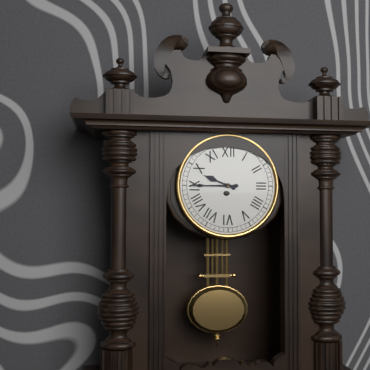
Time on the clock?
9:45
